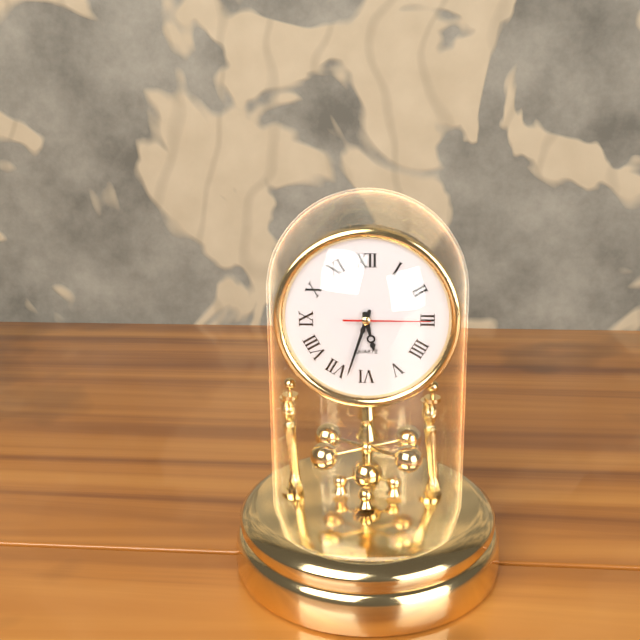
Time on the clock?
5:33:15
